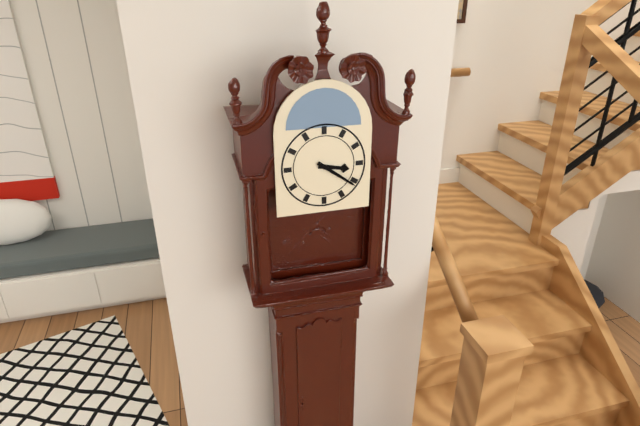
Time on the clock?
3:21
